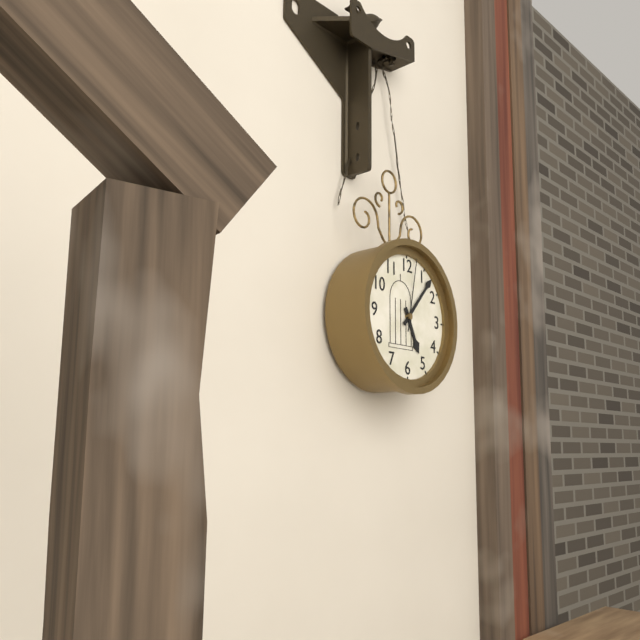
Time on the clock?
5:07:02
